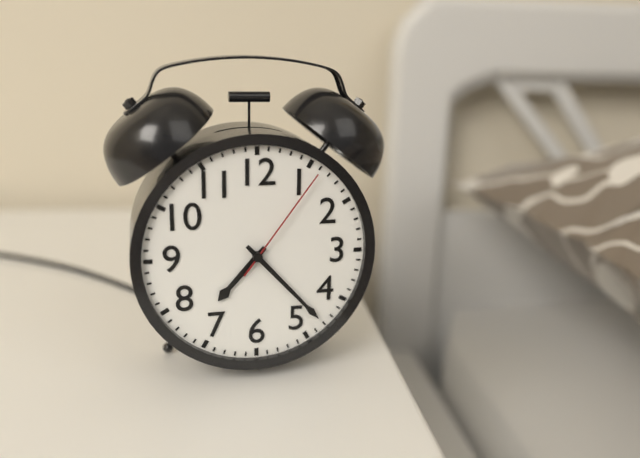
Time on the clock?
7:23:06
